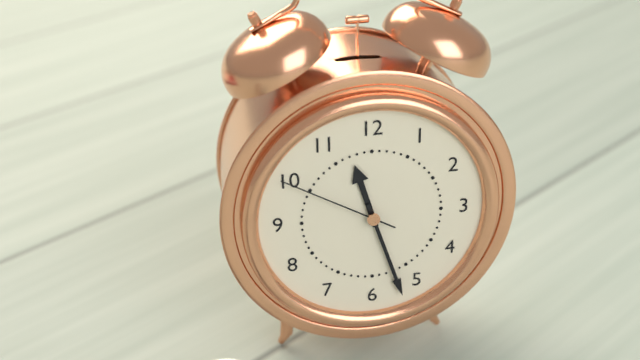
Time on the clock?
11:27:50
